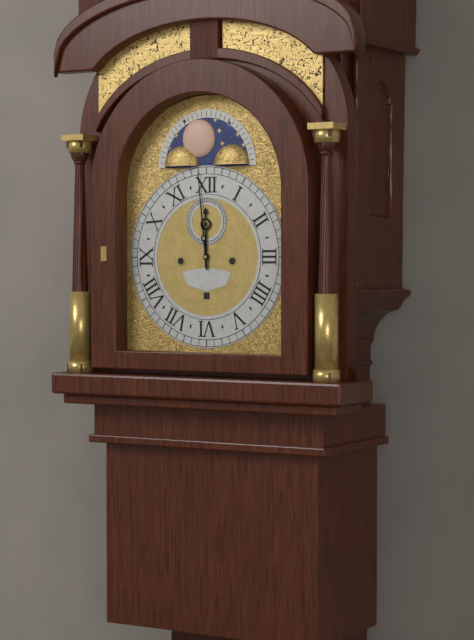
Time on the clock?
11:59
